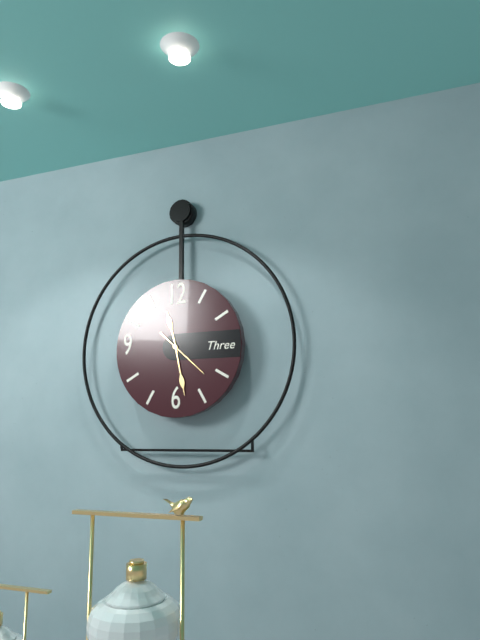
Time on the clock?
11:28
